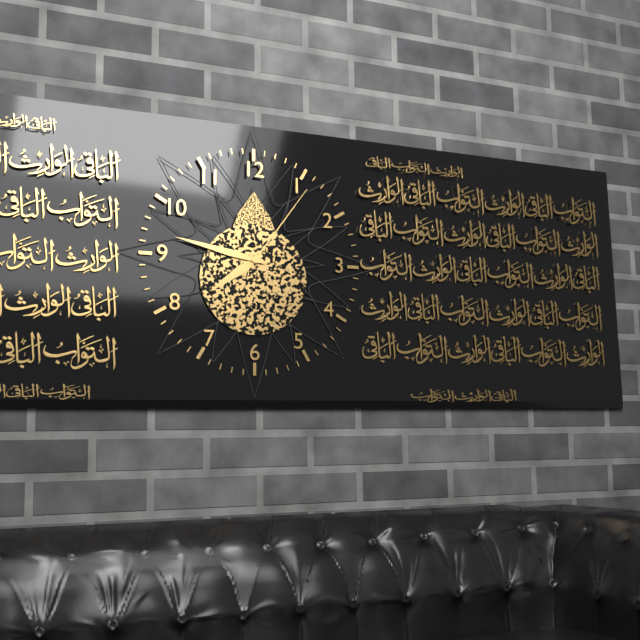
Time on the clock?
7:47:06
